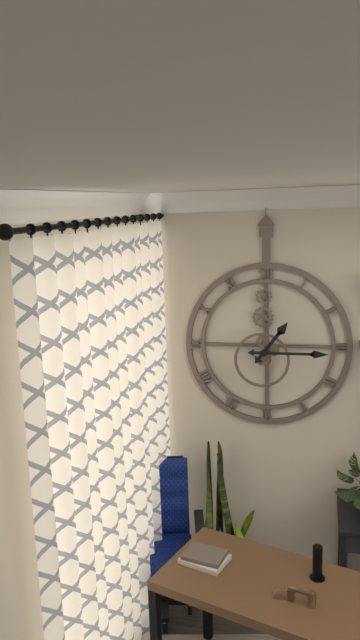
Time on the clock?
1:15
